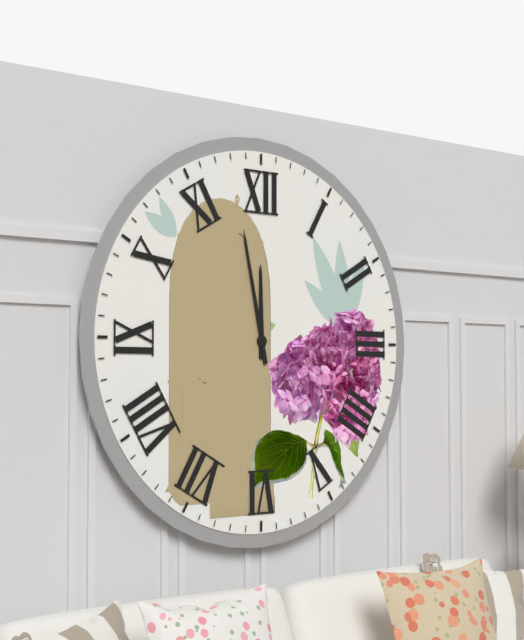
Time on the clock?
11:58
